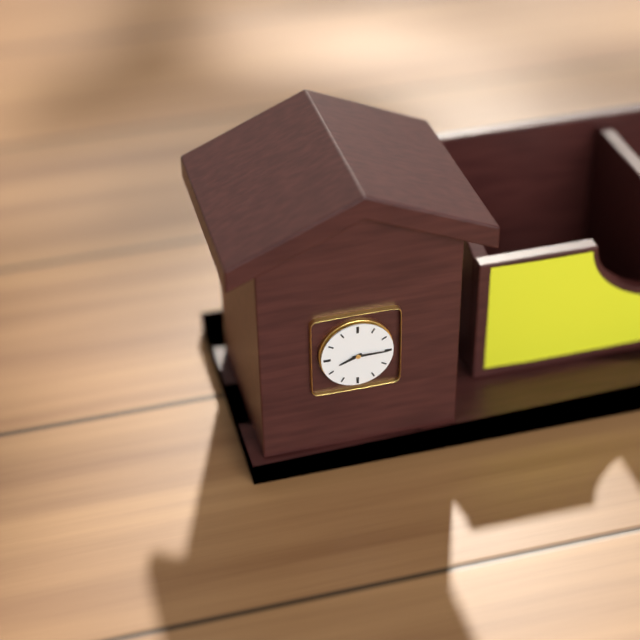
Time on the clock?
8:15
